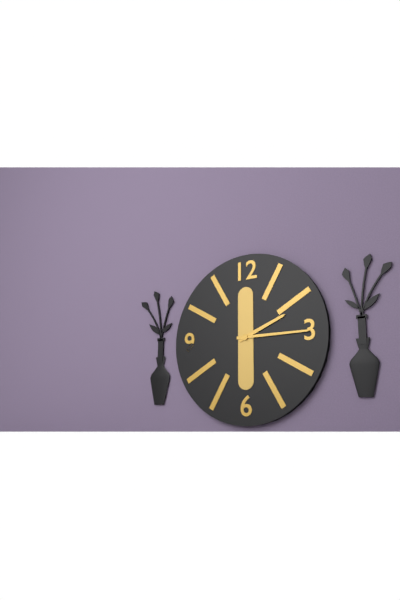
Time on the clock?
2:15
